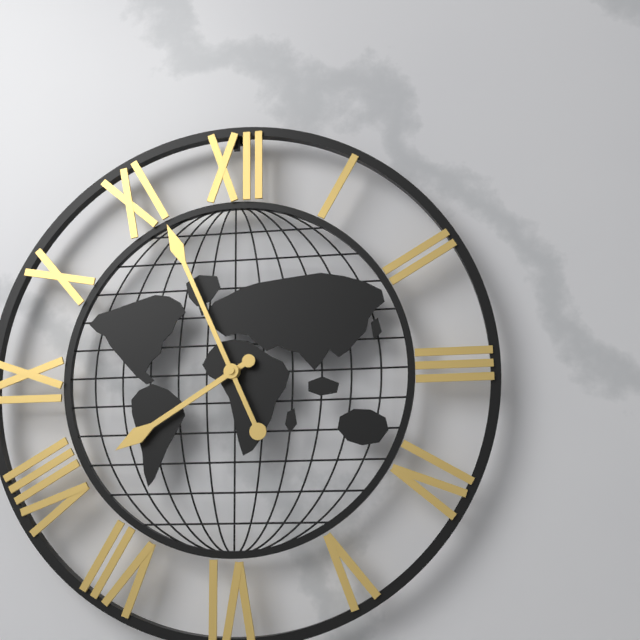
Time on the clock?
7:56
